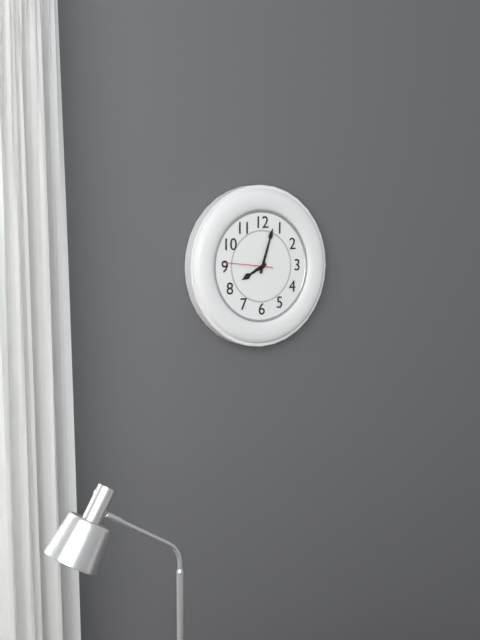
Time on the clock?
8:03
